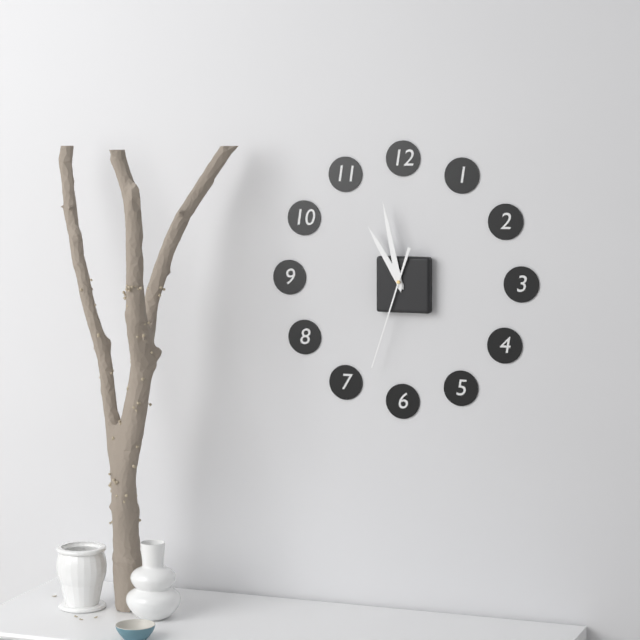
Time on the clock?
10:58:33
